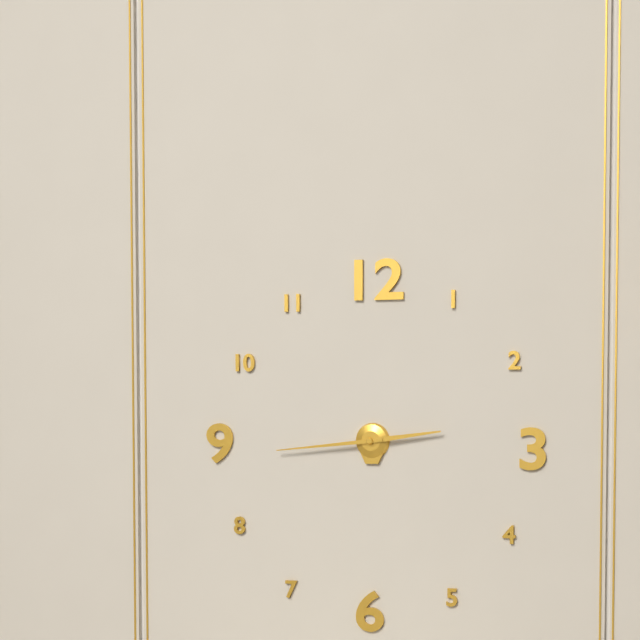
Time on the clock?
2:44
